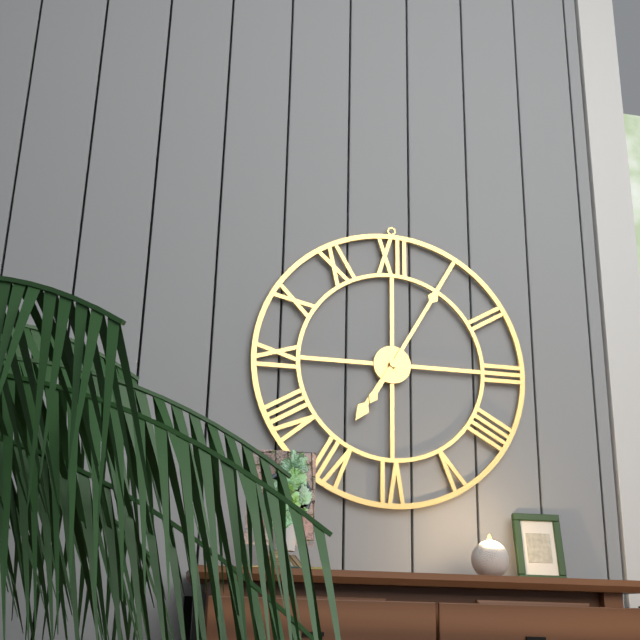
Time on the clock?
7:05
